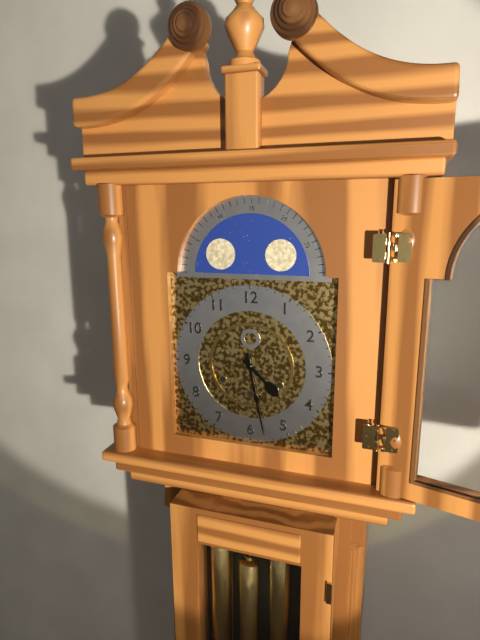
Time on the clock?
4:28
